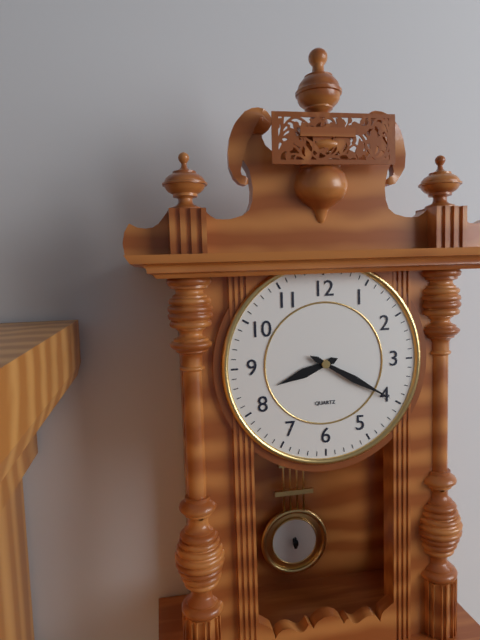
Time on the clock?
8:20
